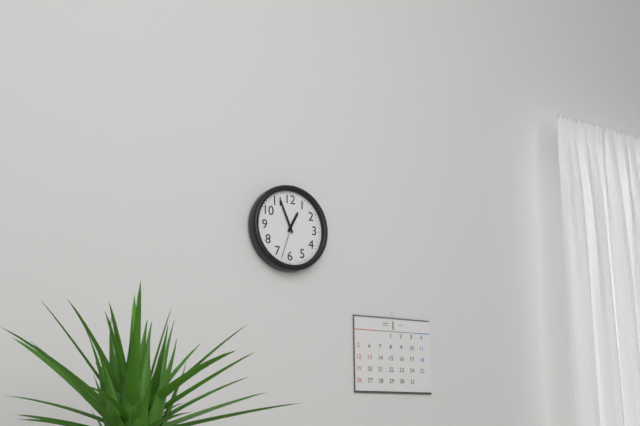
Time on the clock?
12:56
